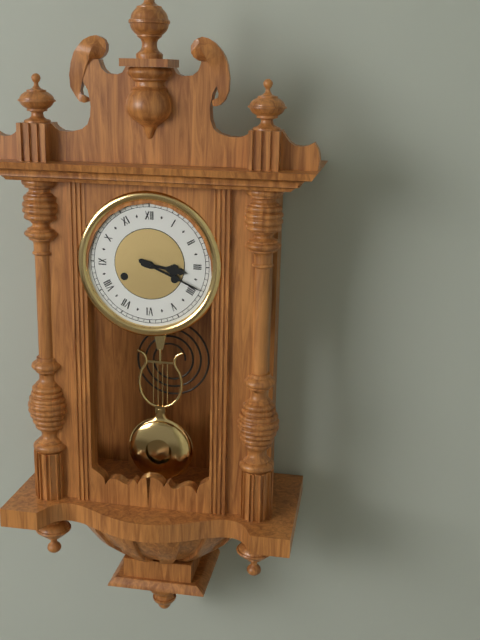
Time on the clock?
3:19
